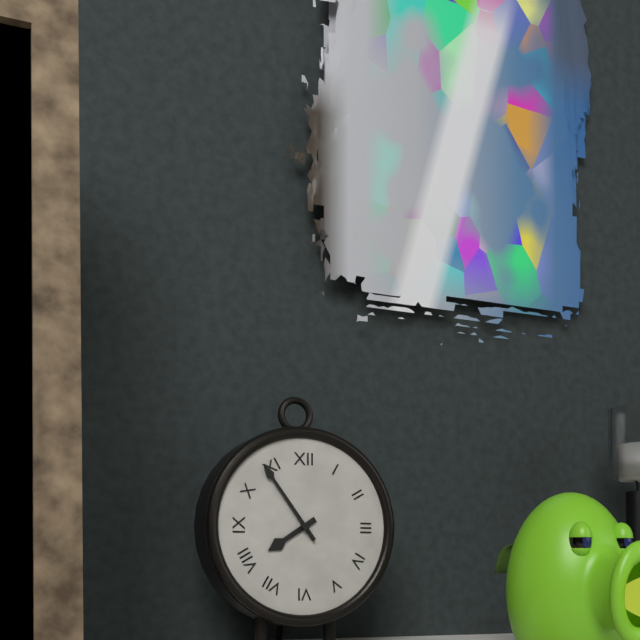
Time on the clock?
7:54
